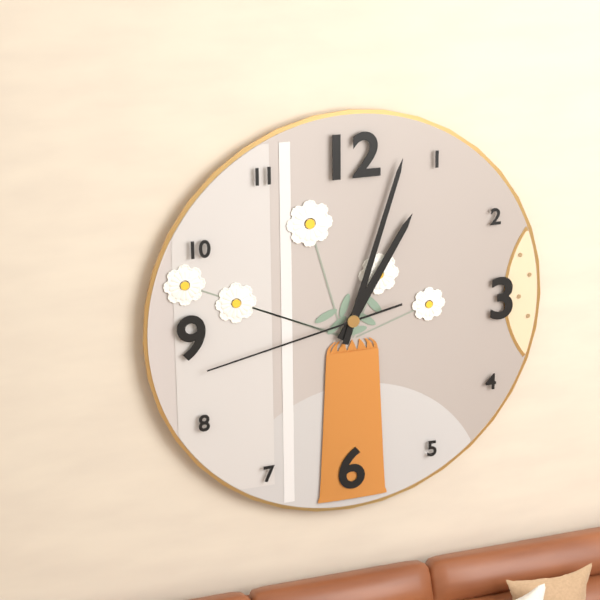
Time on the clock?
1:03:43
